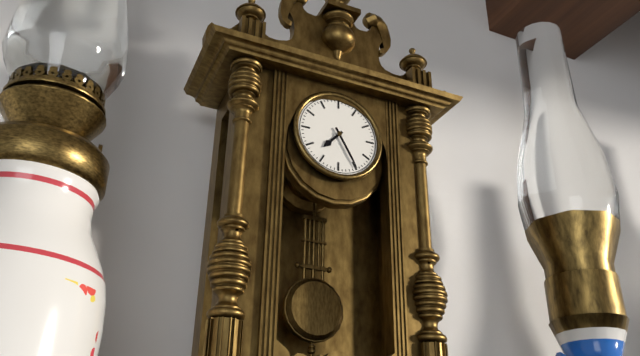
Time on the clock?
7:25
